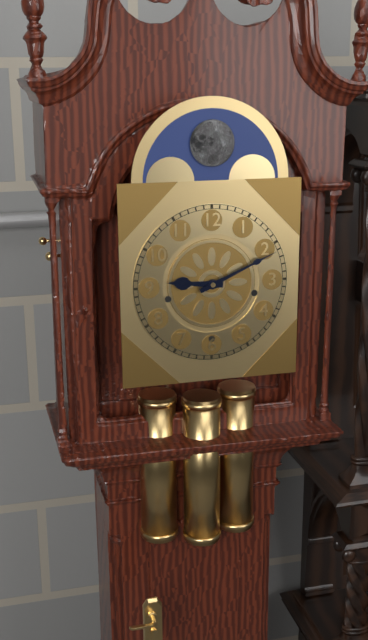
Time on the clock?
9:11
